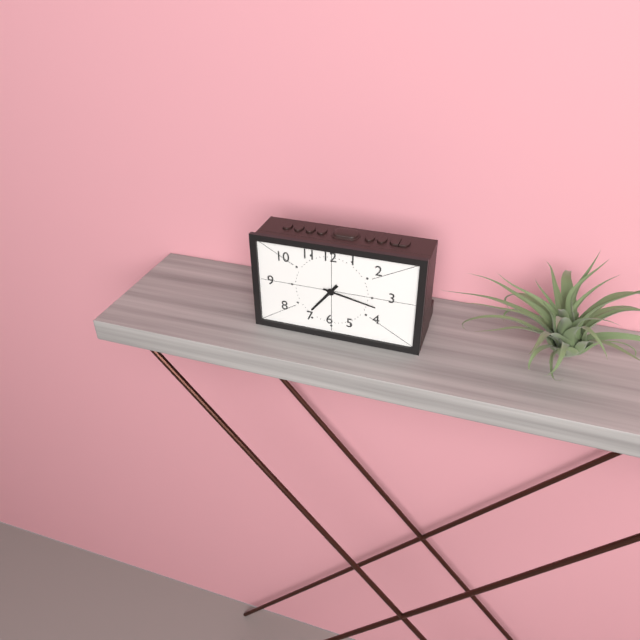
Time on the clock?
7:17
